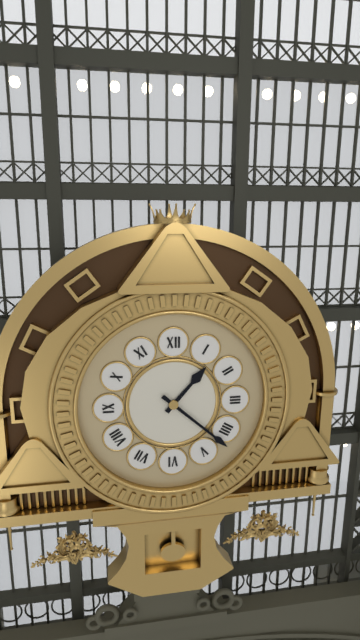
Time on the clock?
1:22
